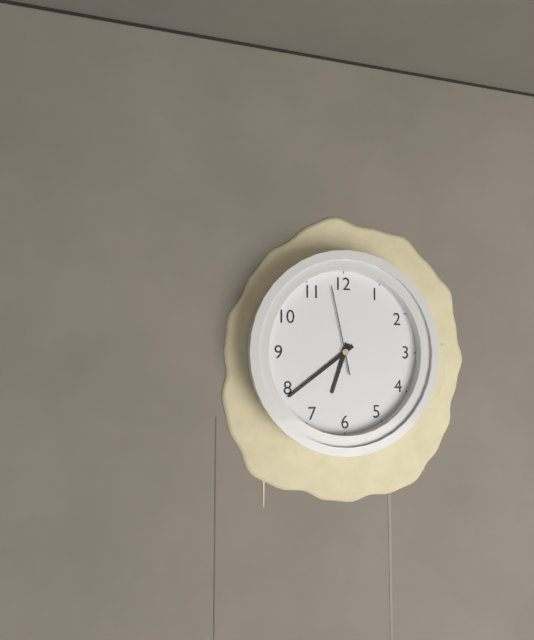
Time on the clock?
6:39:58
